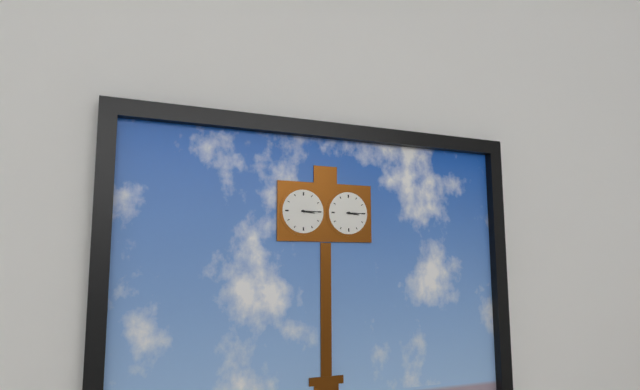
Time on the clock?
3:15
